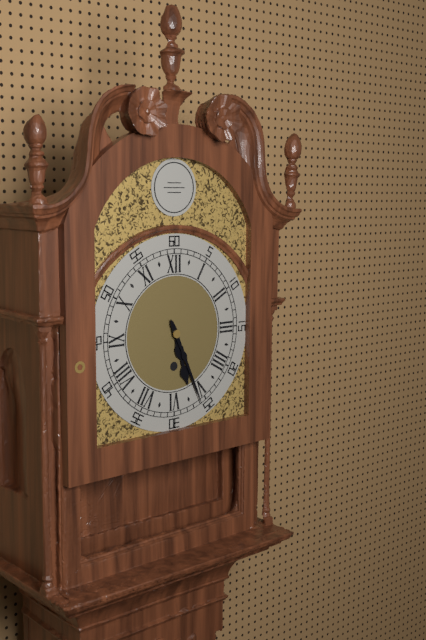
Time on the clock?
5:26
